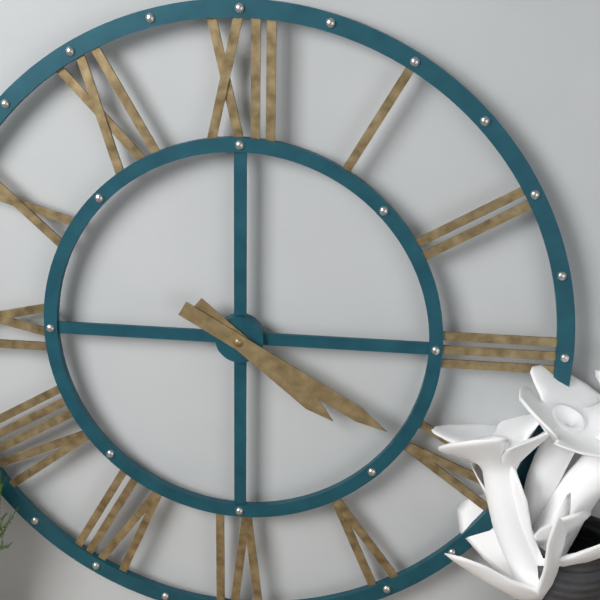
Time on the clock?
4:20
